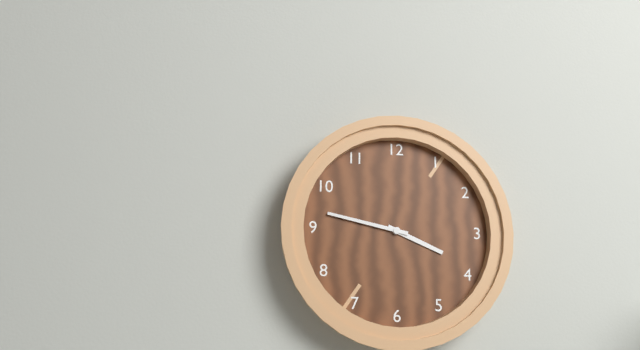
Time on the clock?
3:47
